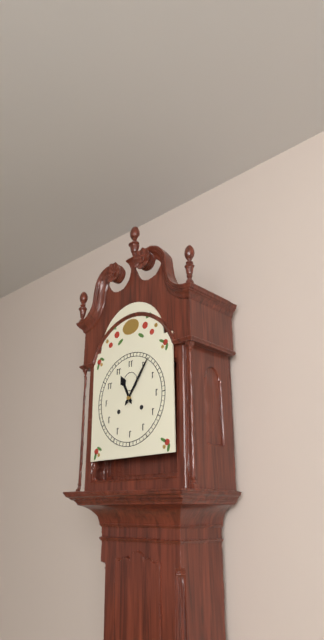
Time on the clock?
11:06
